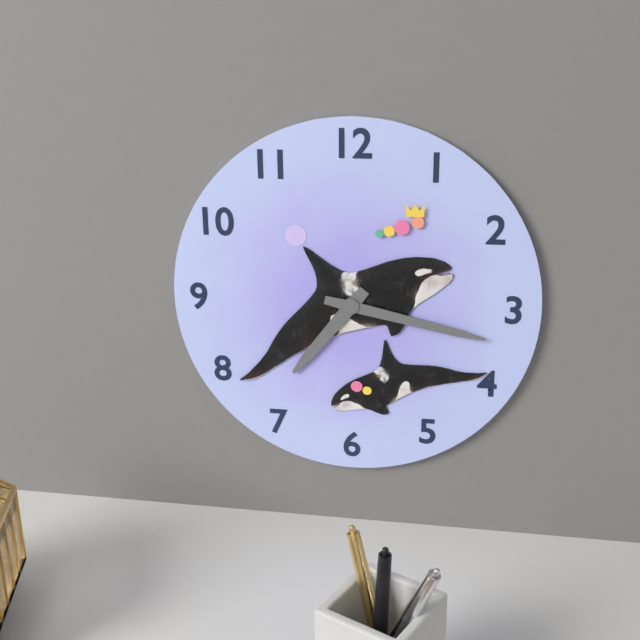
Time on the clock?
7:17
